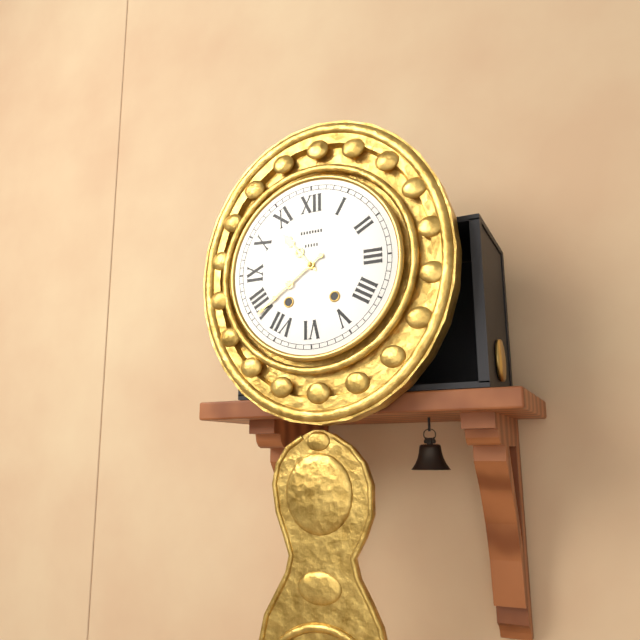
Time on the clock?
10:39
